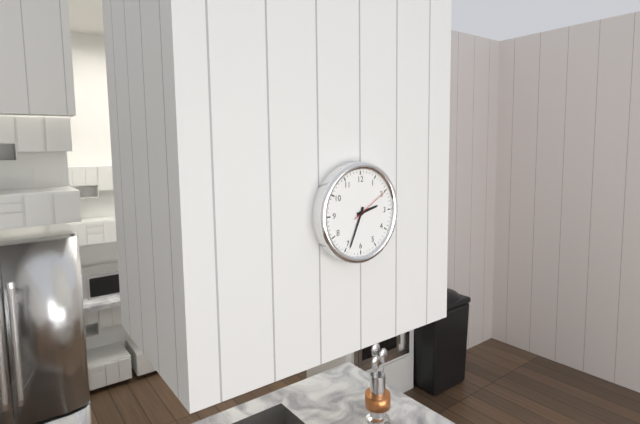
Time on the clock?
2:34
